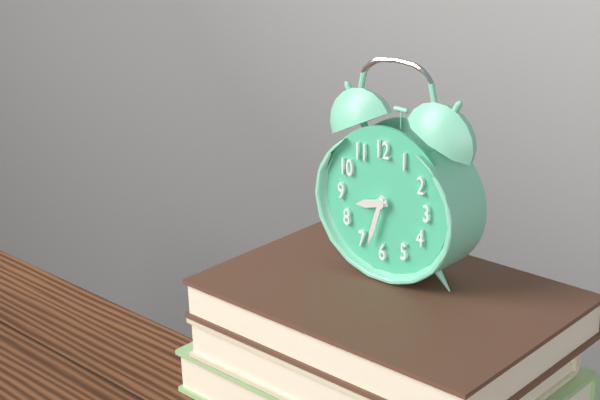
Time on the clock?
8:33
